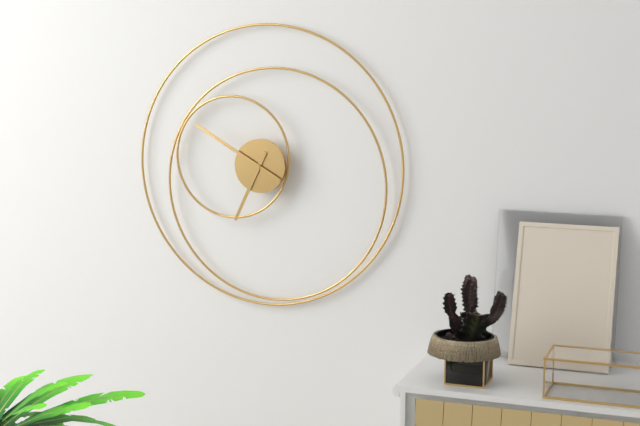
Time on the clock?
6:50
